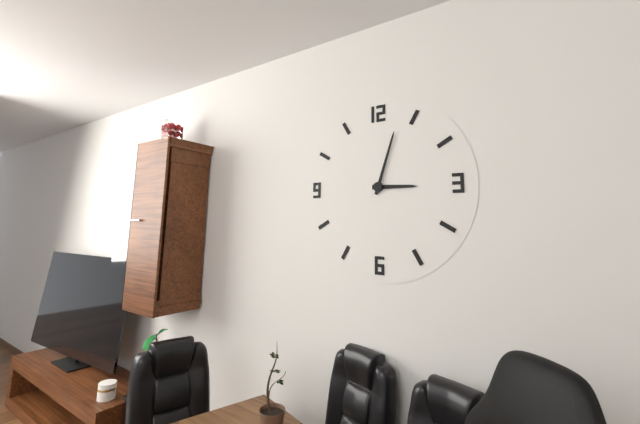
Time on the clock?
3:03
